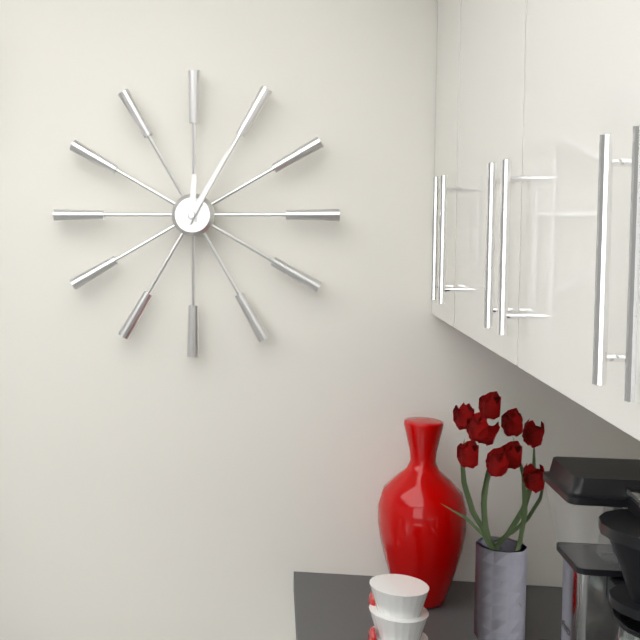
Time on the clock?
12:05
